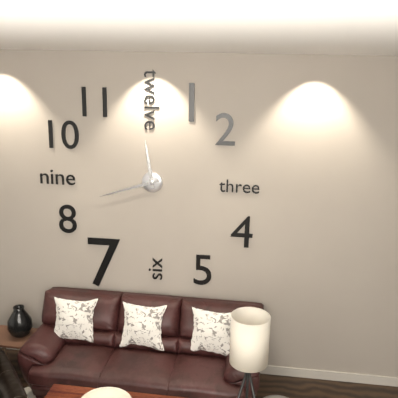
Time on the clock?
11:42
